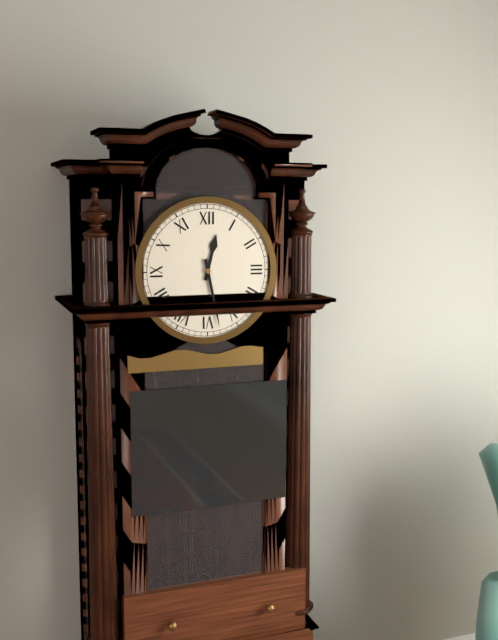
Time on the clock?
12:28
